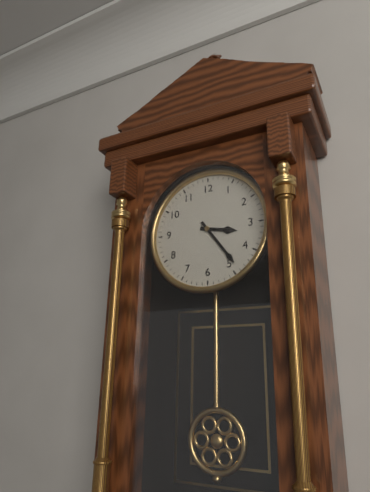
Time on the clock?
3:24
